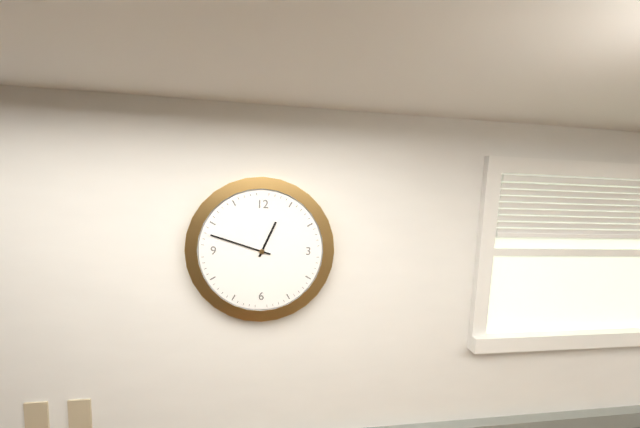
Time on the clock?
12:48
